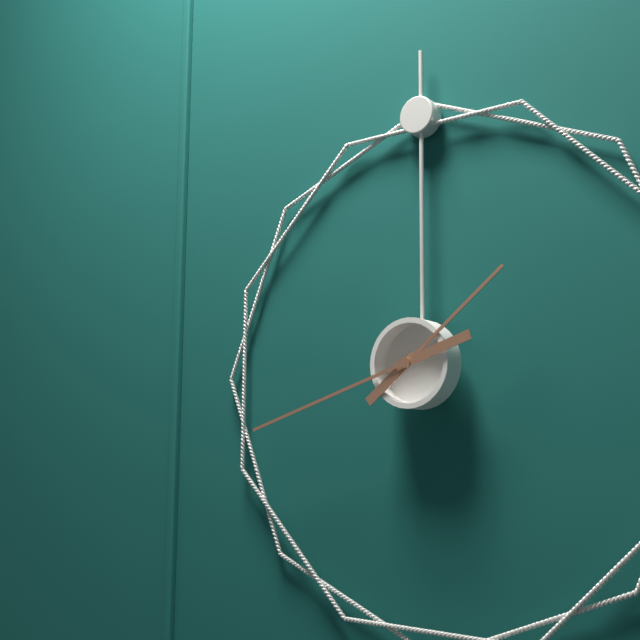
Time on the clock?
1:42
